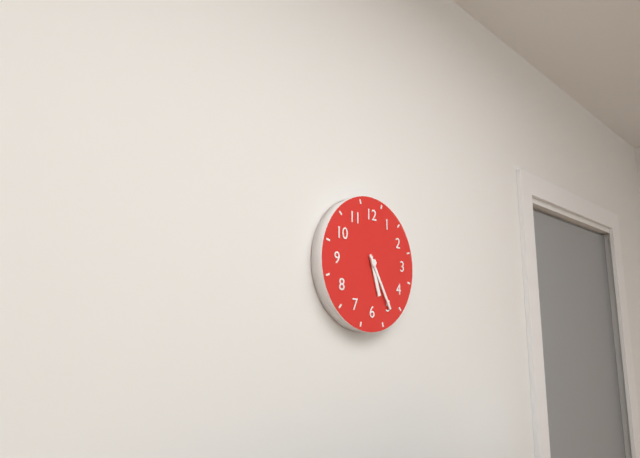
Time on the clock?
5:25
